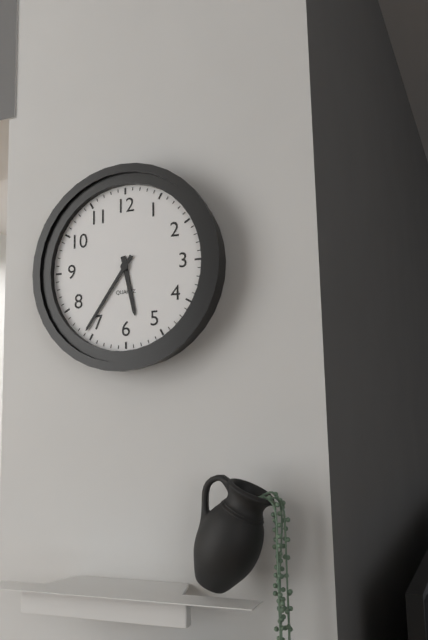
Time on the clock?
5:36
